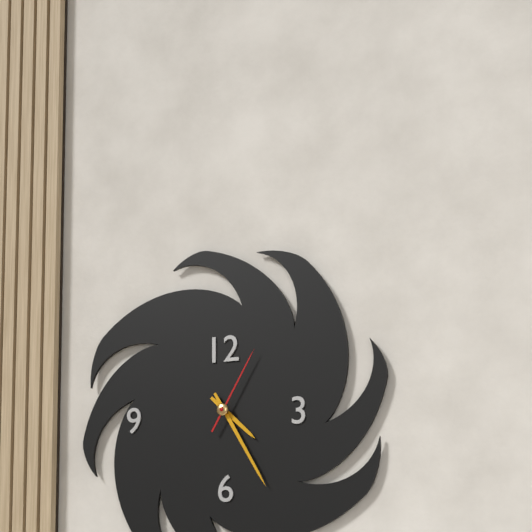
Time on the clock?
4:25:05
